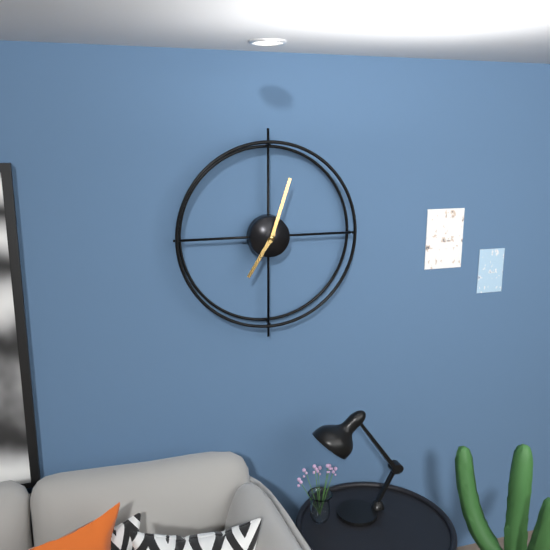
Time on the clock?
7:03
